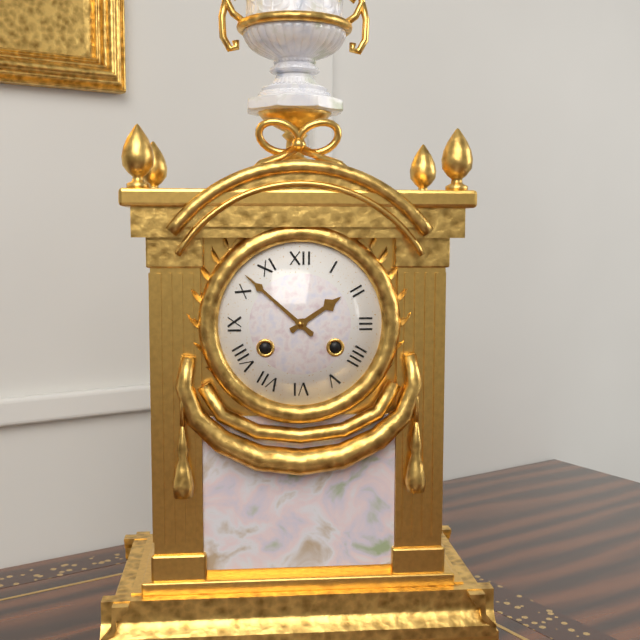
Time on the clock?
1:52
